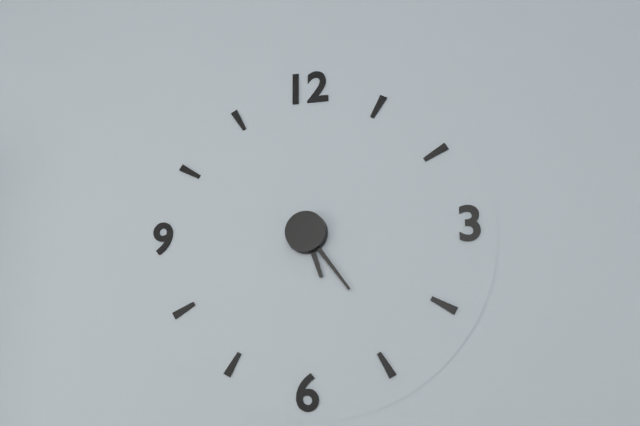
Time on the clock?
5:24
